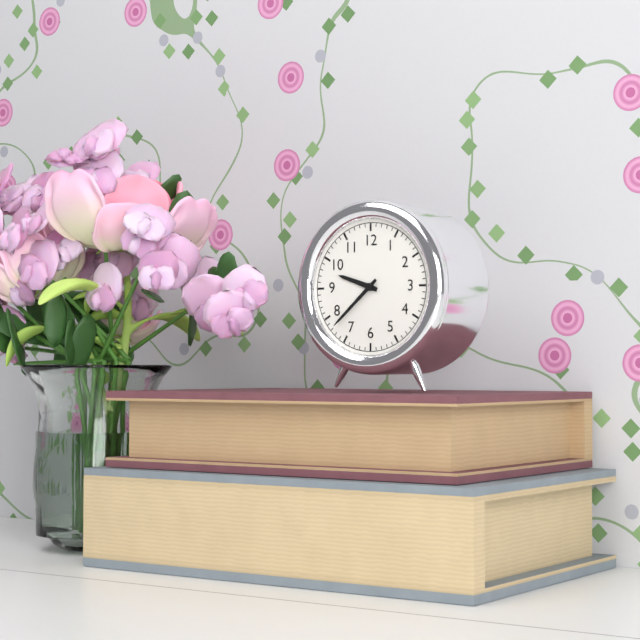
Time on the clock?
9:38
